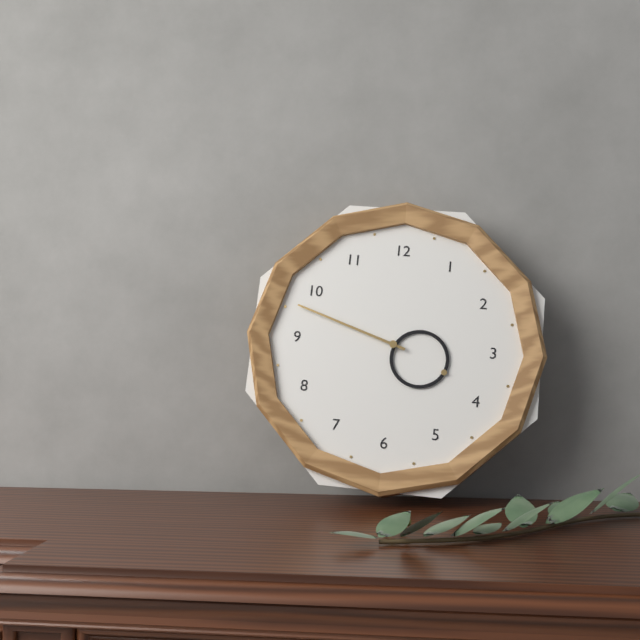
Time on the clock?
3:48
